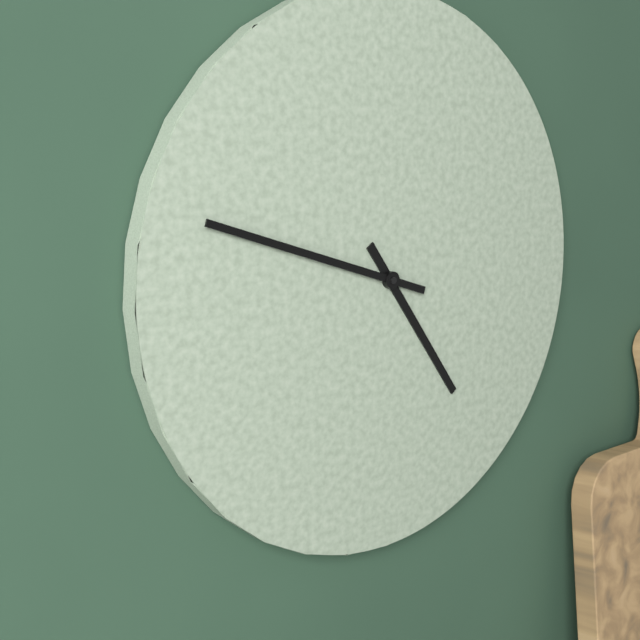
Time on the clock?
4:48
